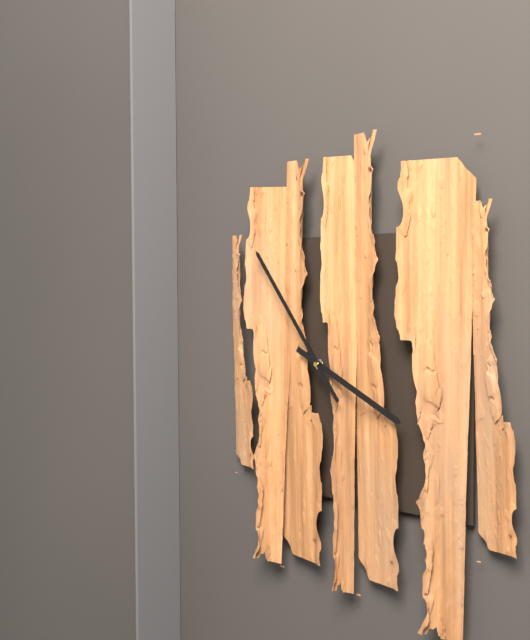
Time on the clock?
3:54
